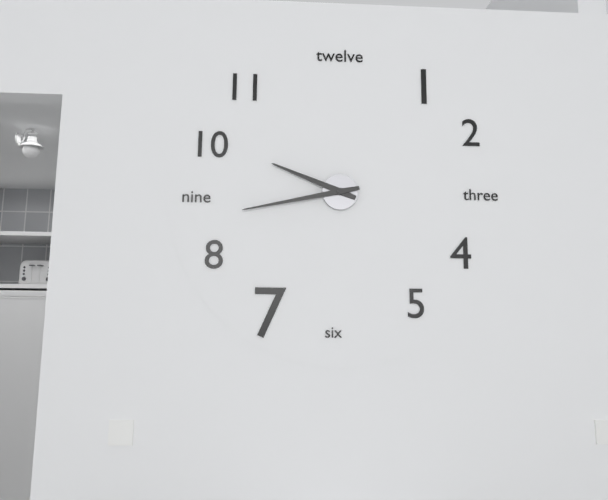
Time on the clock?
9:43
